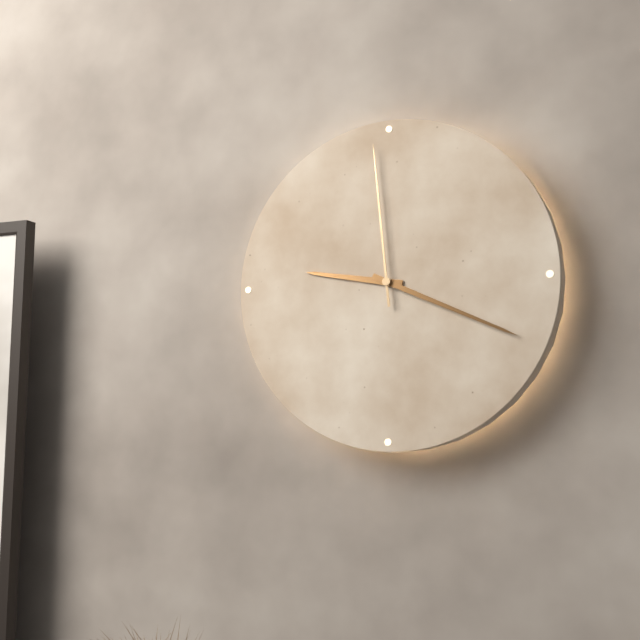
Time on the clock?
9:19:59
